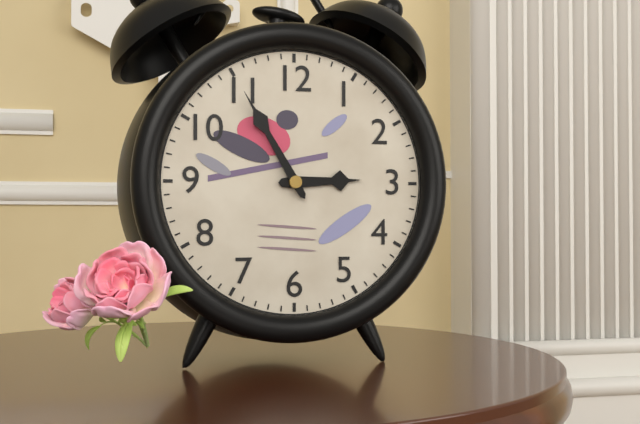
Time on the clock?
2:55
